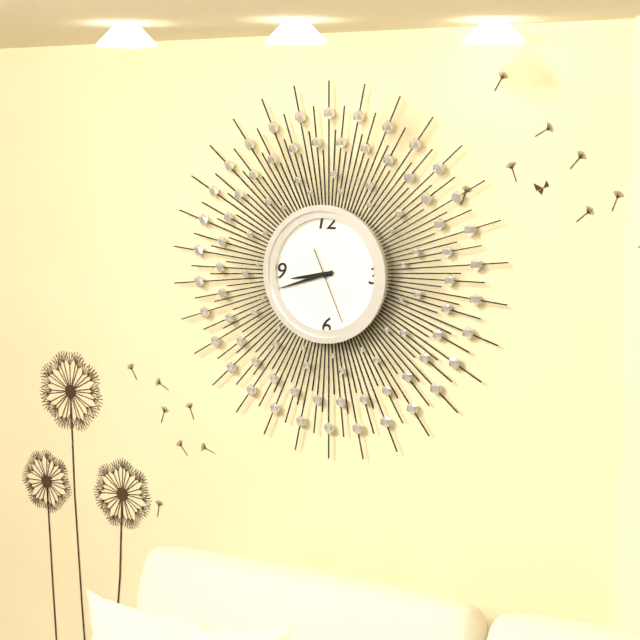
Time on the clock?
8:42:26
